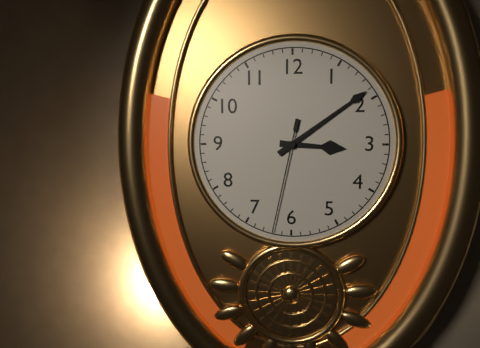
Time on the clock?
3:09:32
